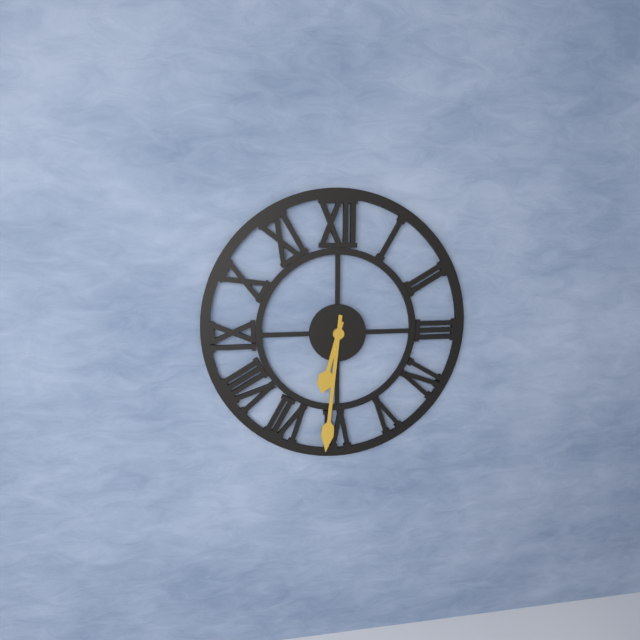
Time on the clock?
6:31
